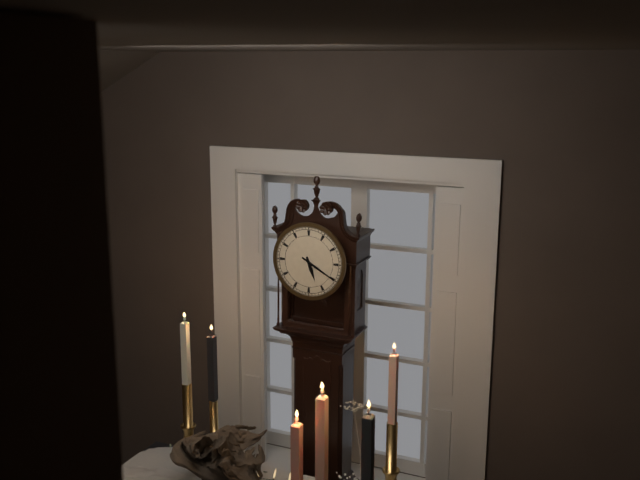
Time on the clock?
5:20
